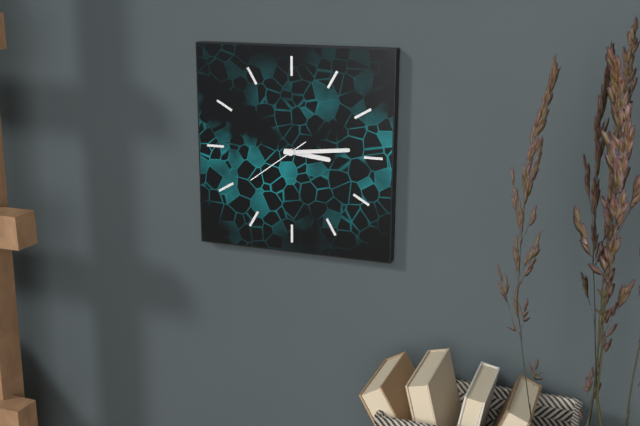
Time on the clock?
3:14:39
